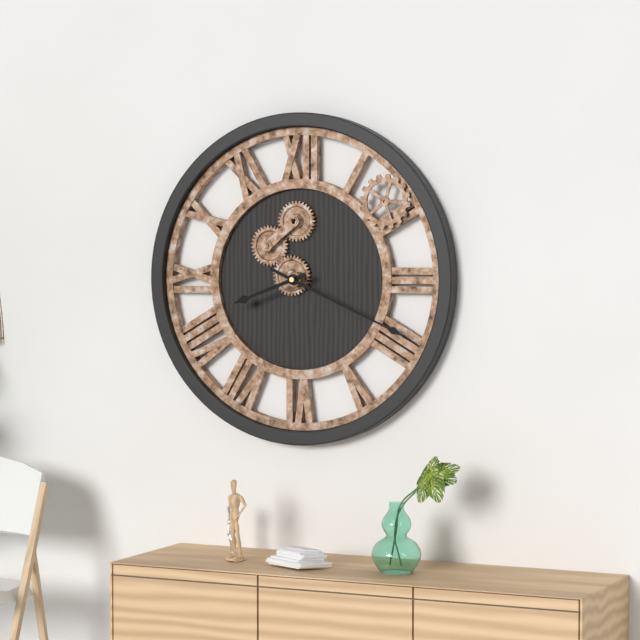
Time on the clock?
8:19
